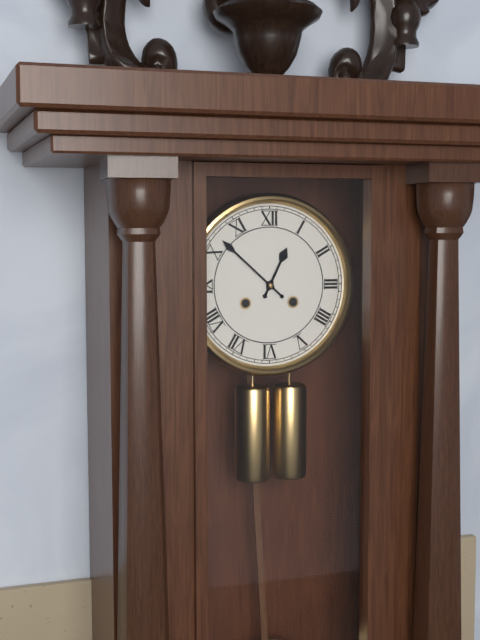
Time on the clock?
12:52
